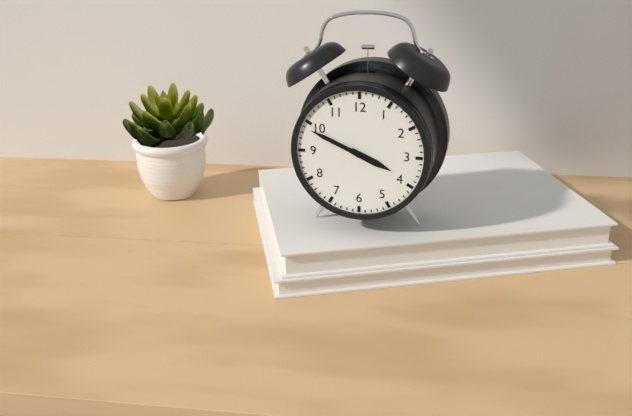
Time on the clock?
3:49
